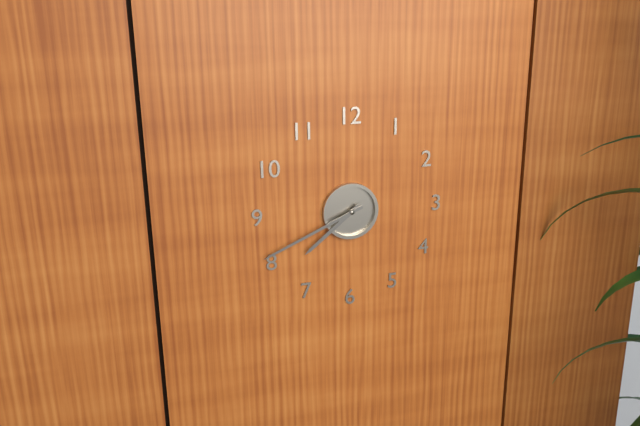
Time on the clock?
7:41
